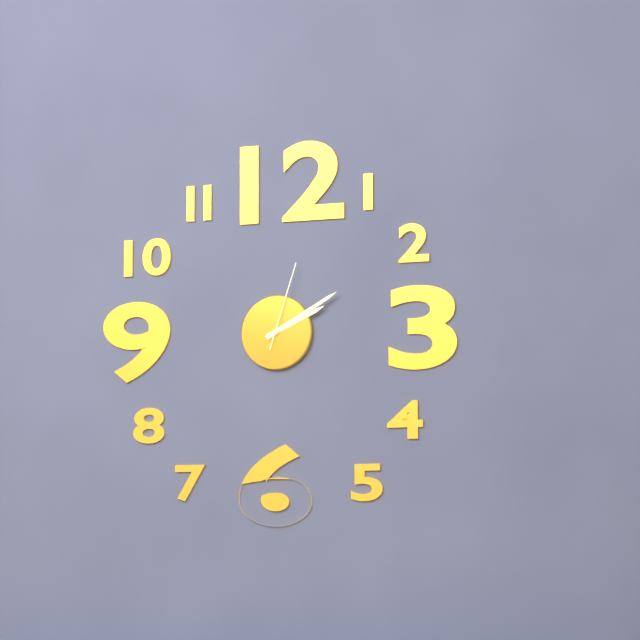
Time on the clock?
2:10:03
